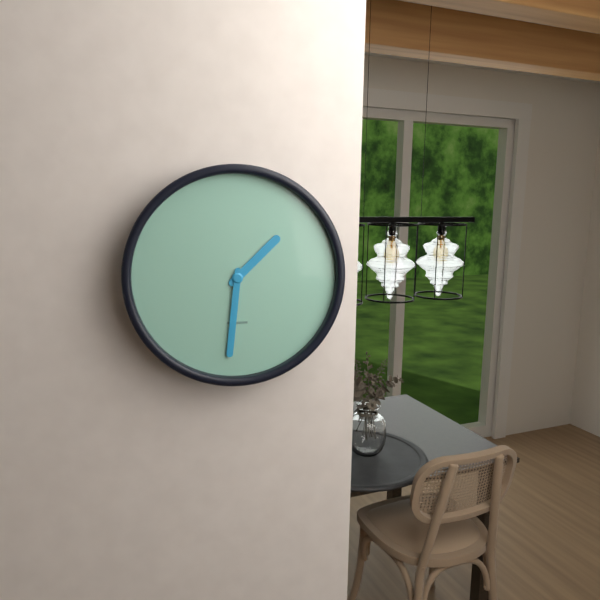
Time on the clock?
1:31
